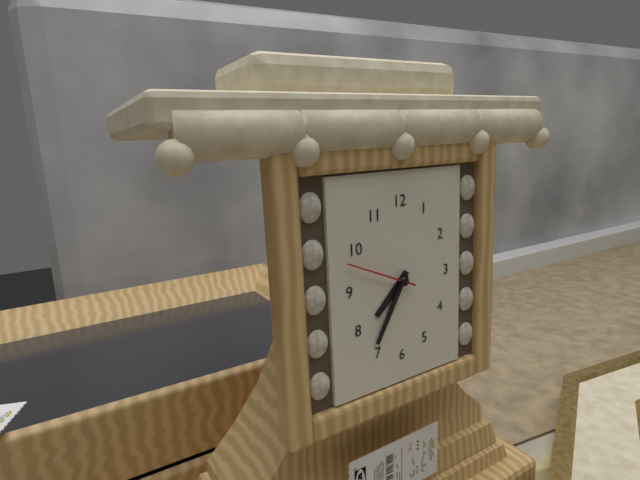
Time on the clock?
7:35:49
